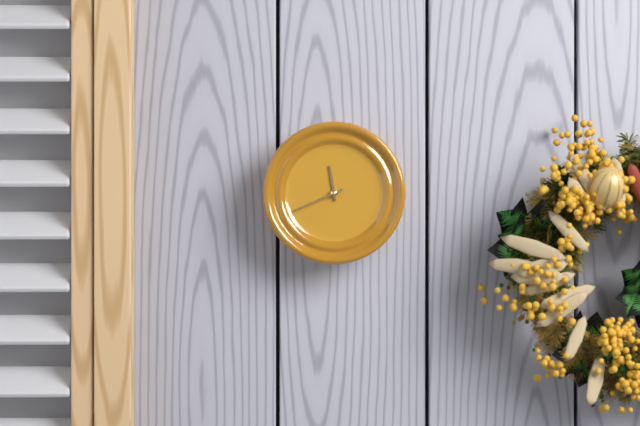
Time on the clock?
11:41
